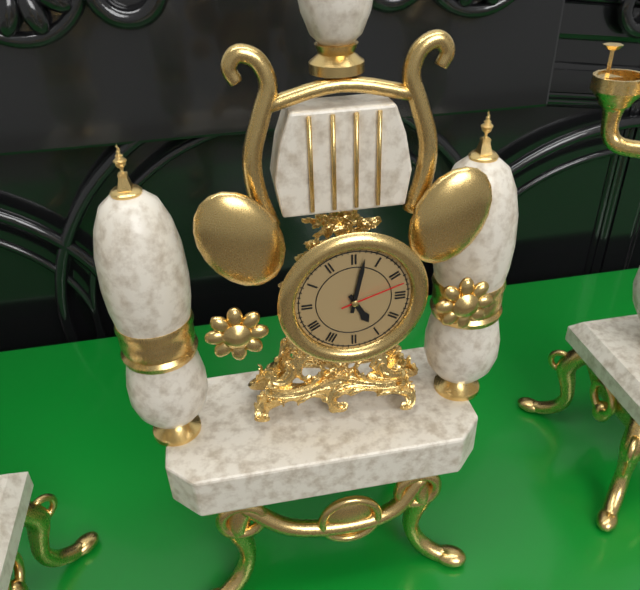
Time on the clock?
5:02:12
